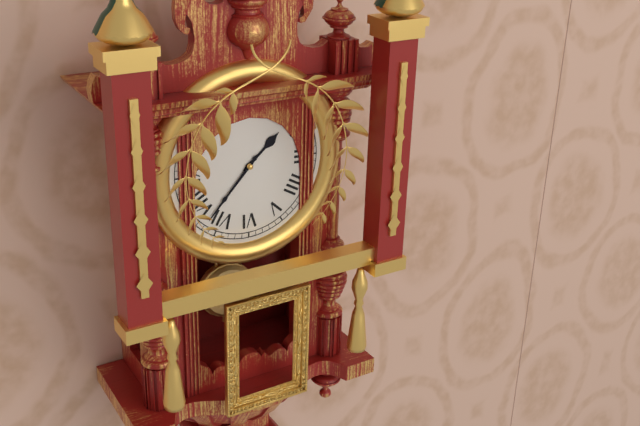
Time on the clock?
1:37
